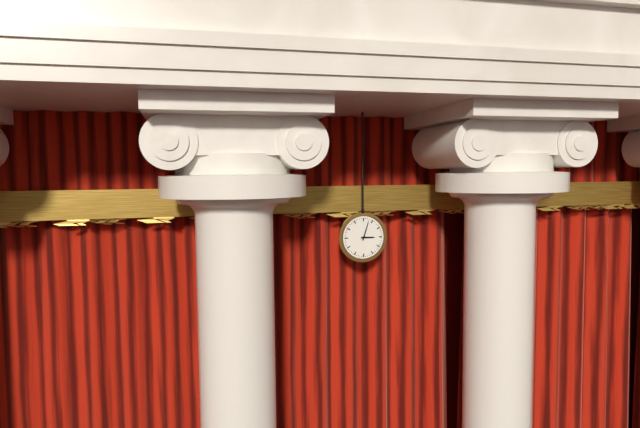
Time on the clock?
3:03
